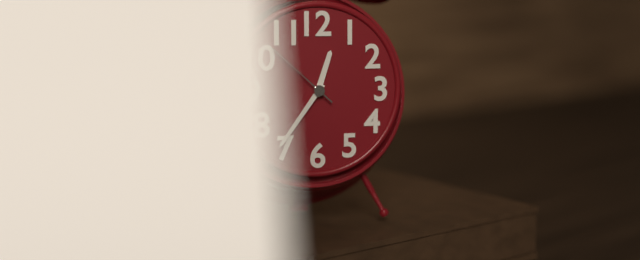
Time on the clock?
12:36:52
